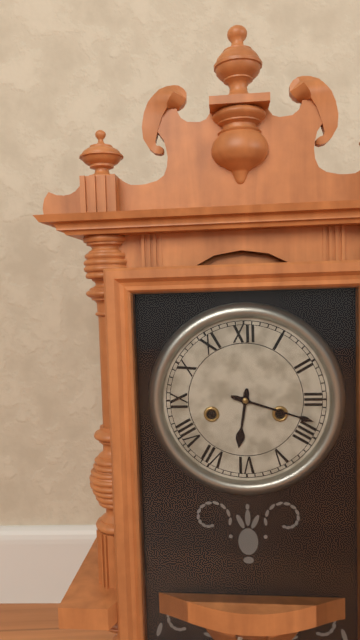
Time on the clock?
6:18
